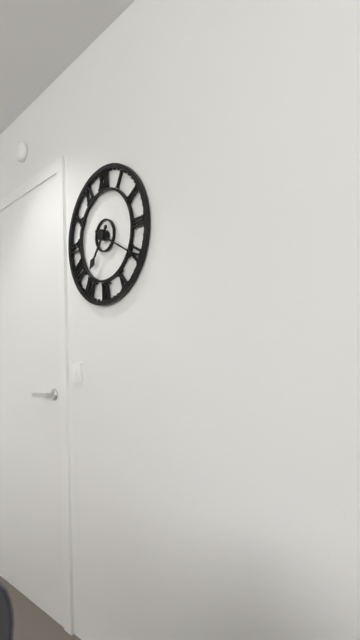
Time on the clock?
7:20
